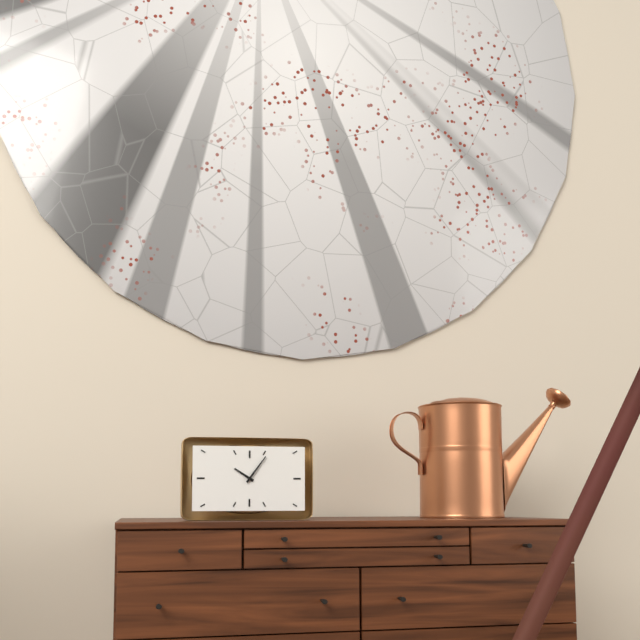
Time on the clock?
10:06
